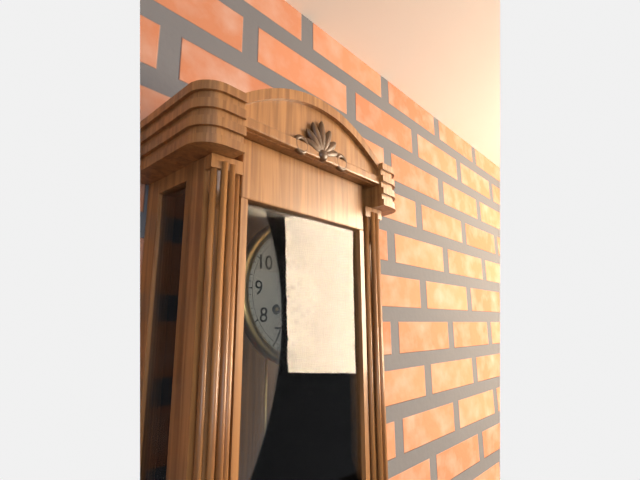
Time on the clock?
3:33
